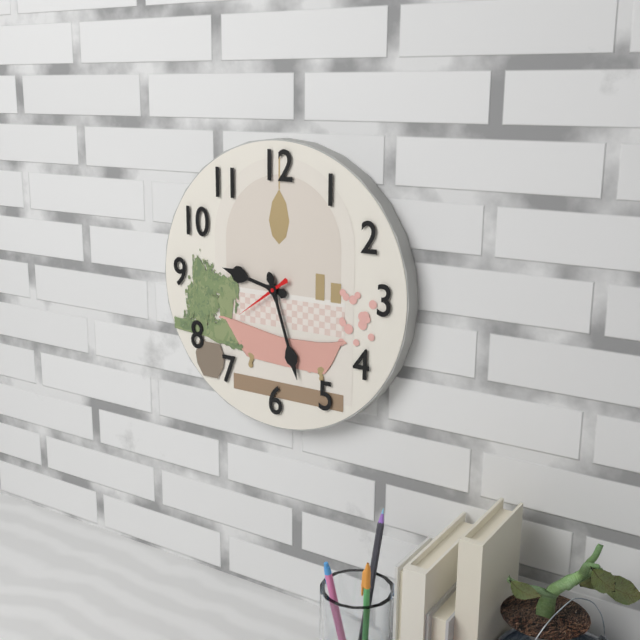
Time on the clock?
9:27:39
